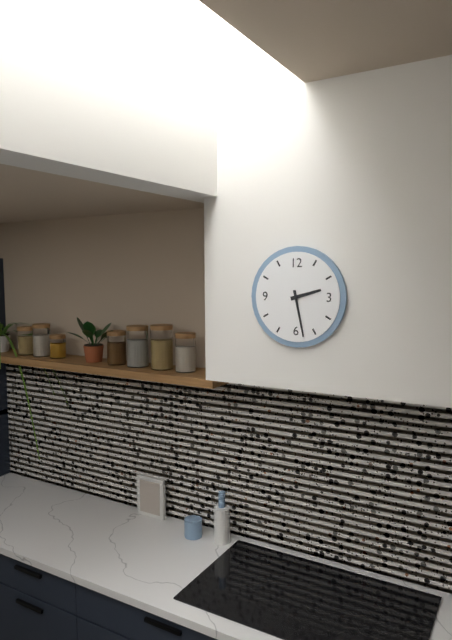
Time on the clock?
2:28
